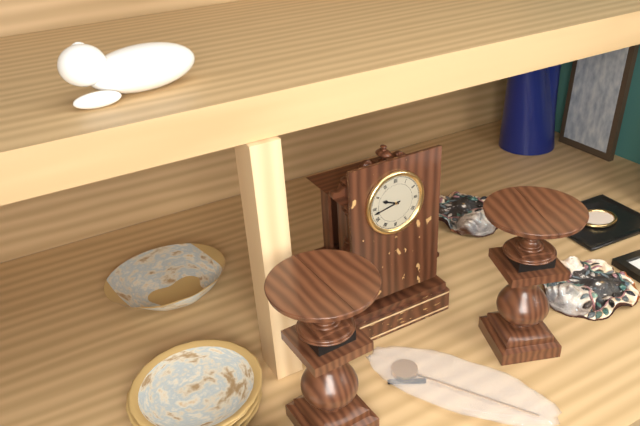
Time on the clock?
9:43
